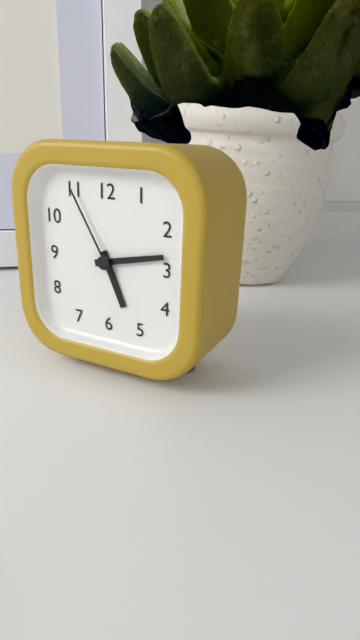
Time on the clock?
5:13:55
